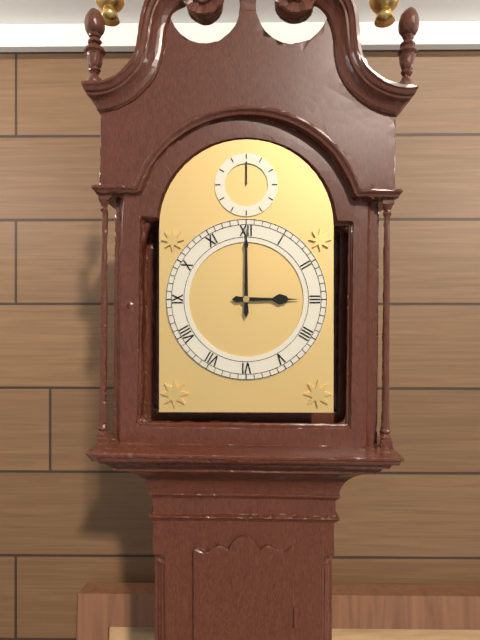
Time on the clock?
3:00
